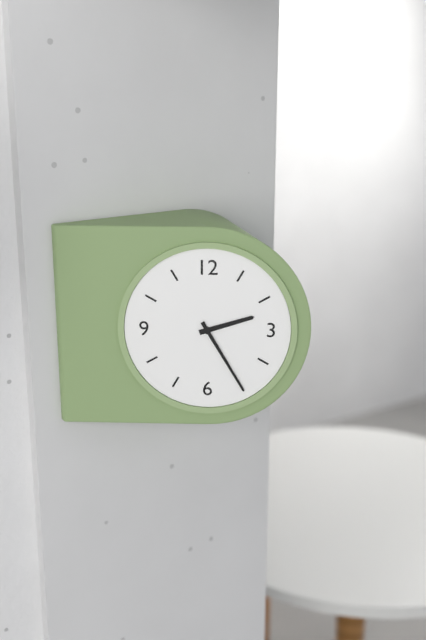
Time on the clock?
2:25
